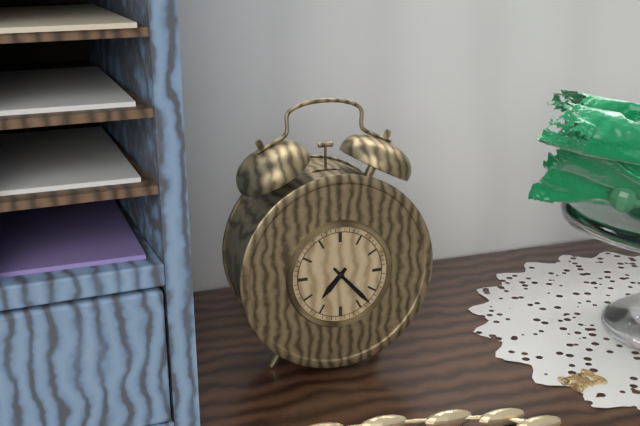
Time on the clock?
7:23
